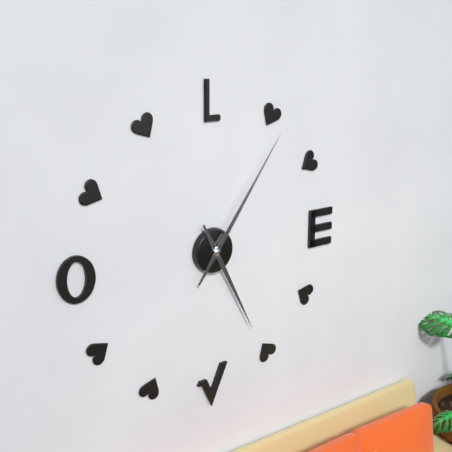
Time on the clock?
5:06
